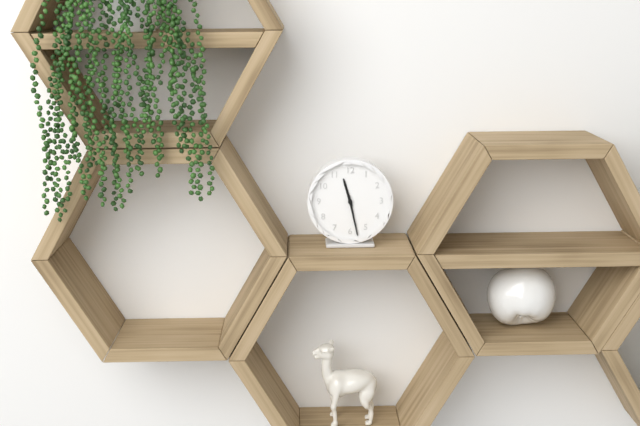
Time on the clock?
11:28
